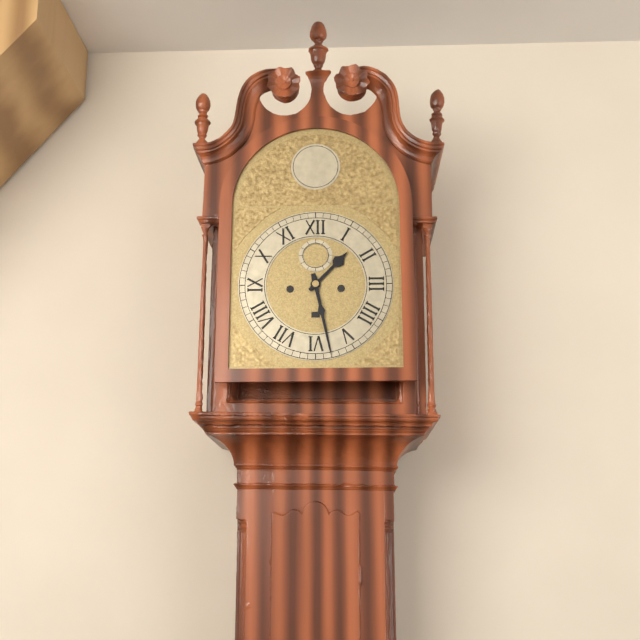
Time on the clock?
1:28
